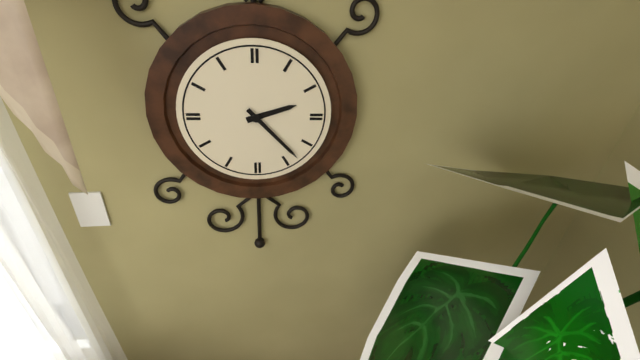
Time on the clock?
2:23
